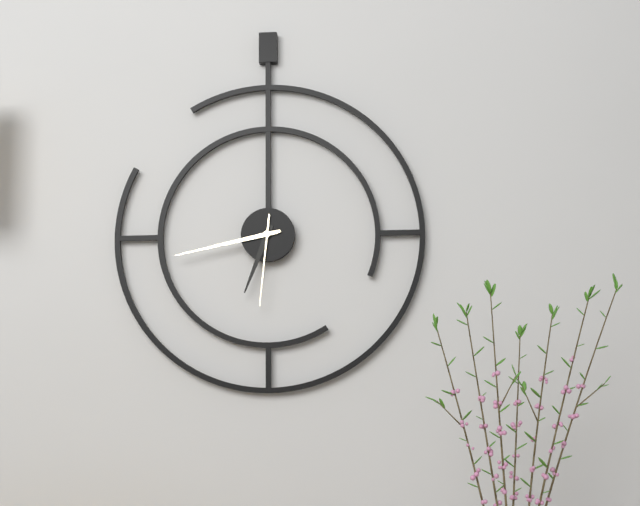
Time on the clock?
6:43:31
